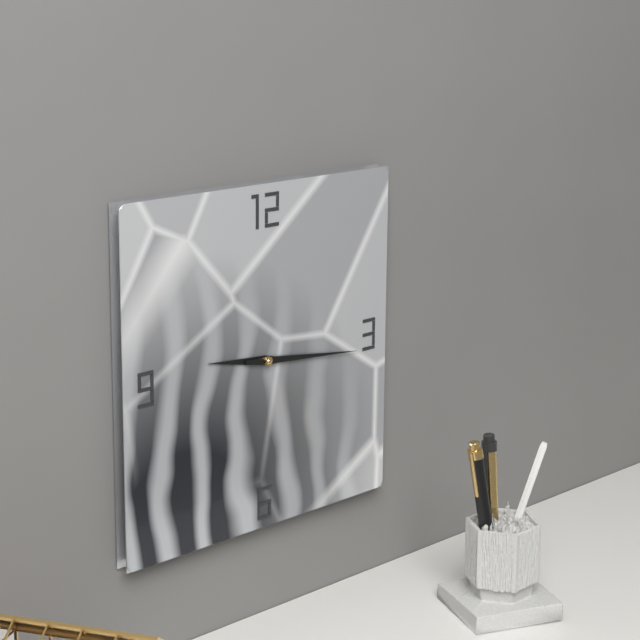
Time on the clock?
9:16
